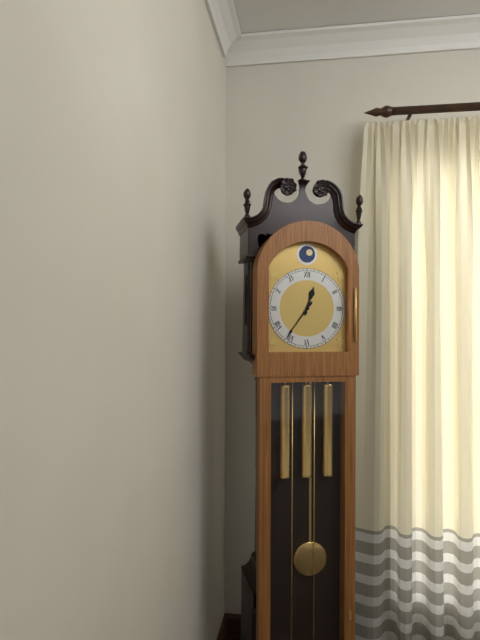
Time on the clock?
12:36
